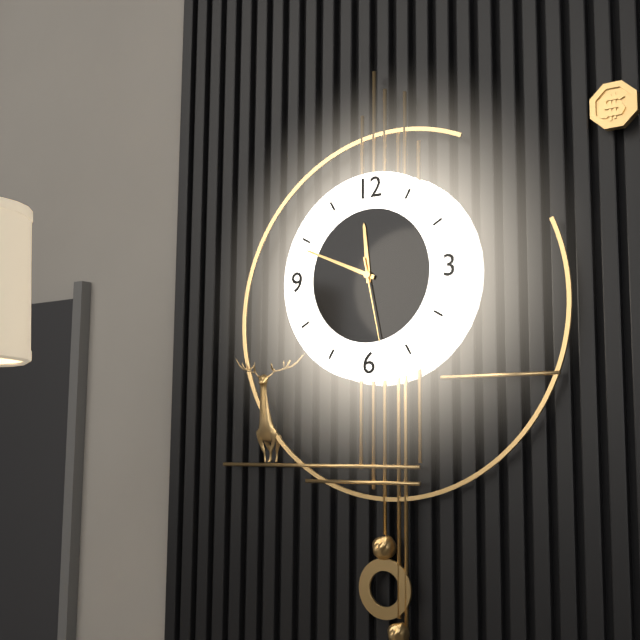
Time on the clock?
11:49:28
